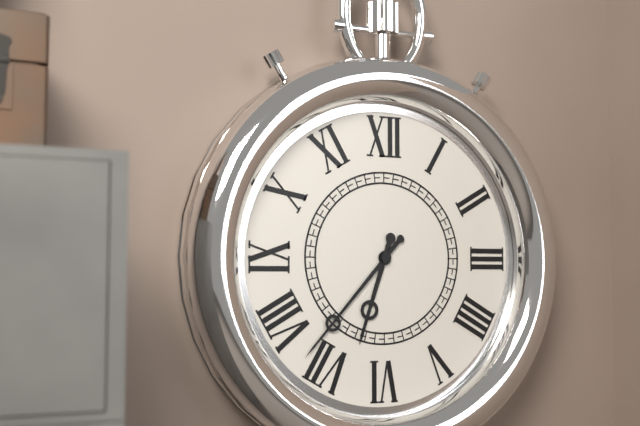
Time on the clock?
6:37
